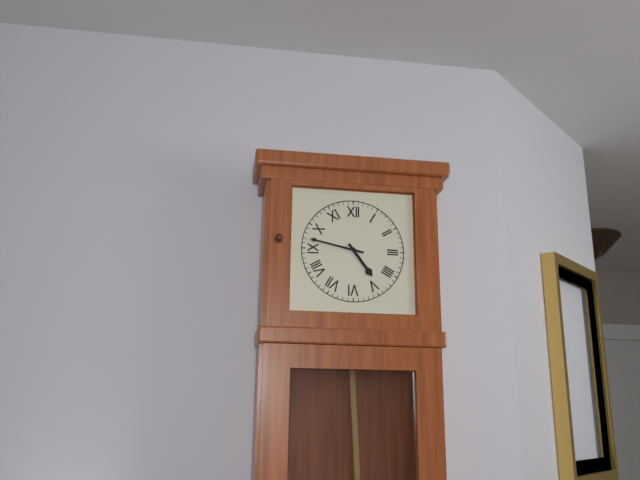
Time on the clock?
4:47
